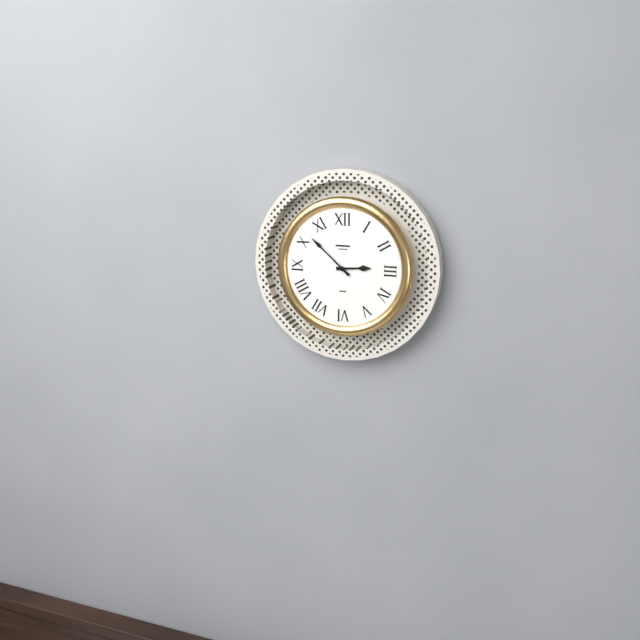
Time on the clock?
2:52
